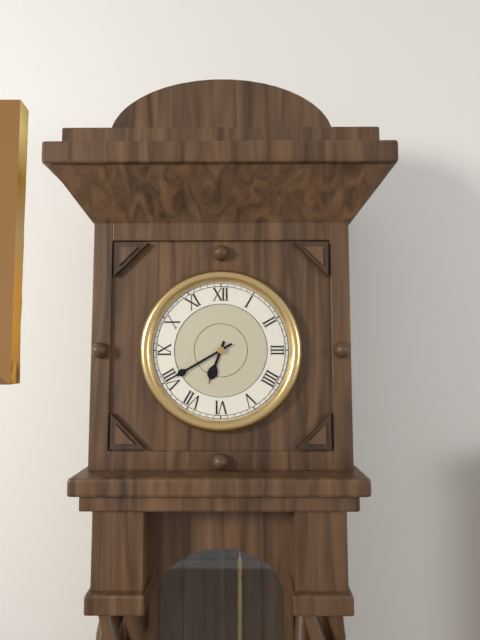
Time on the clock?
6:40
